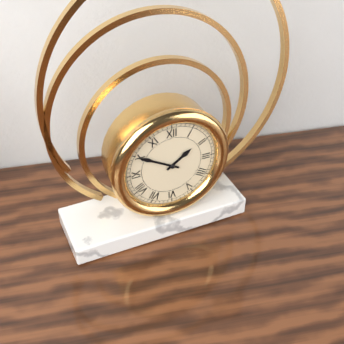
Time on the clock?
1:50
